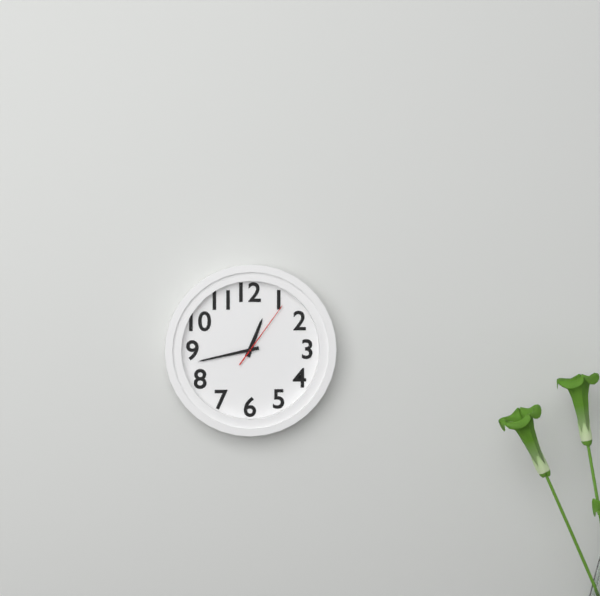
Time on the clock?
12:43:06
